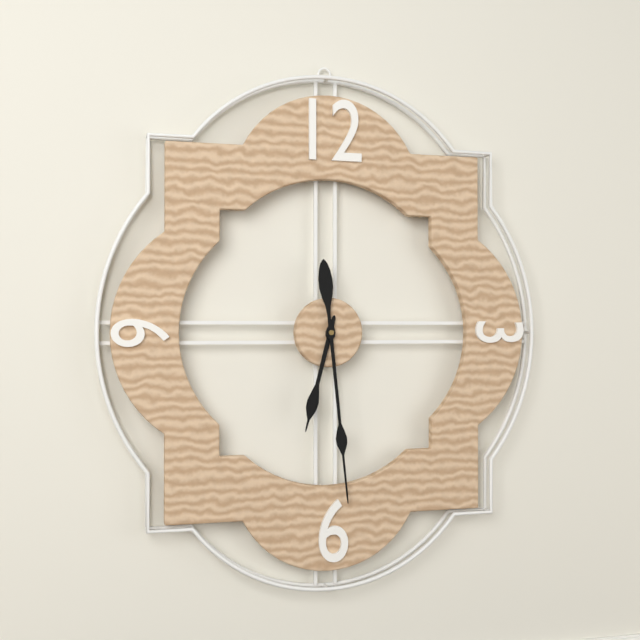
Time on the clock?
6:29
